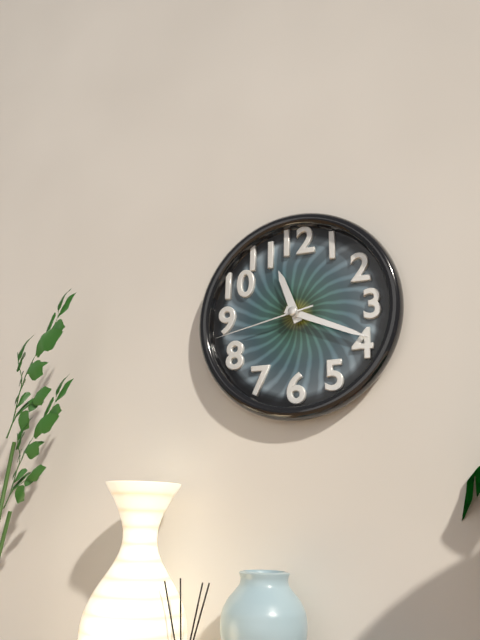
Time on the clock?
11:19:43
